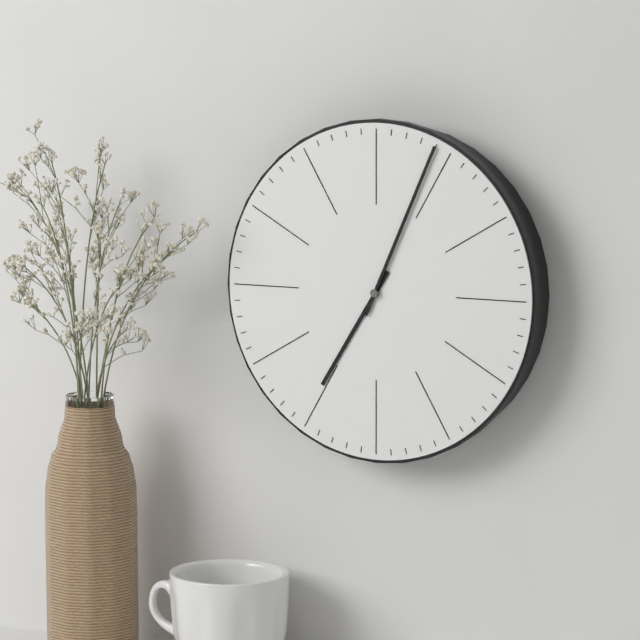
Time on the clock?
7:04
